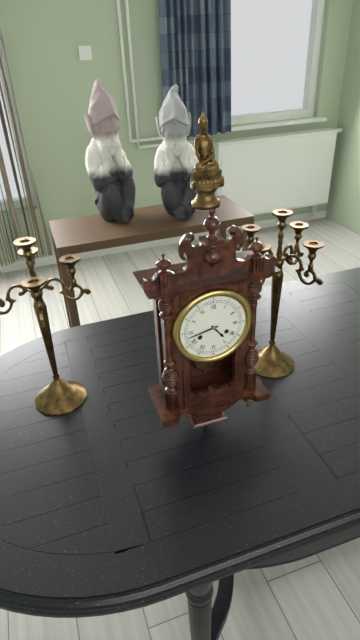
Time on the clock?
4:43
